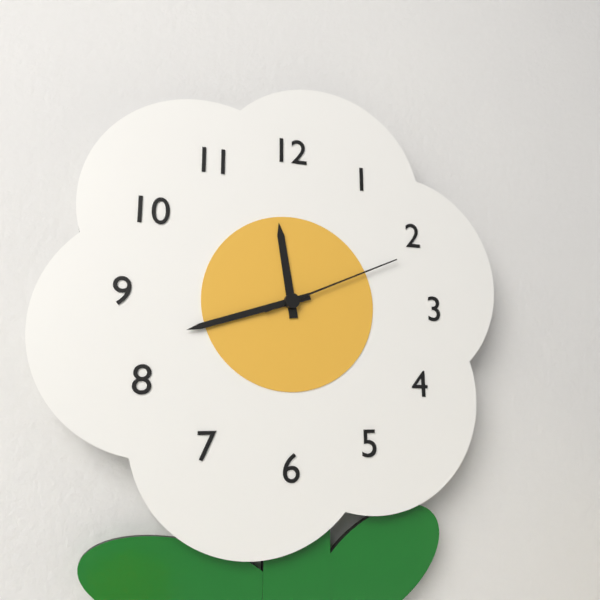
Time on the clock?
11:42:11
